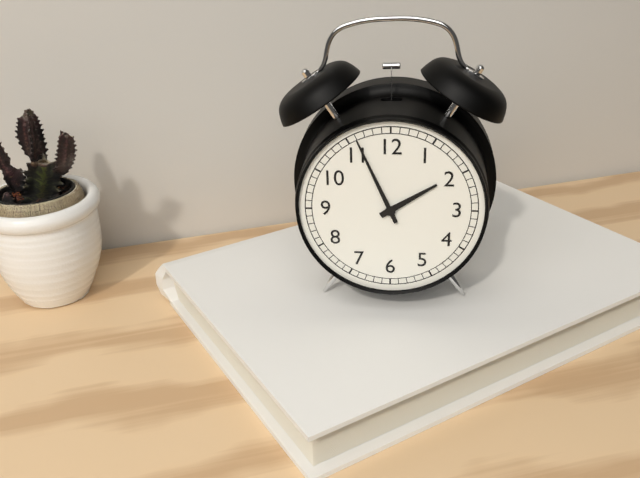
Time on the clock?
1:56
